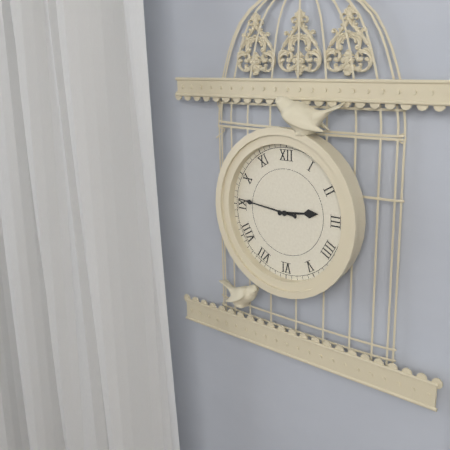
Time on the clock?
2:46
